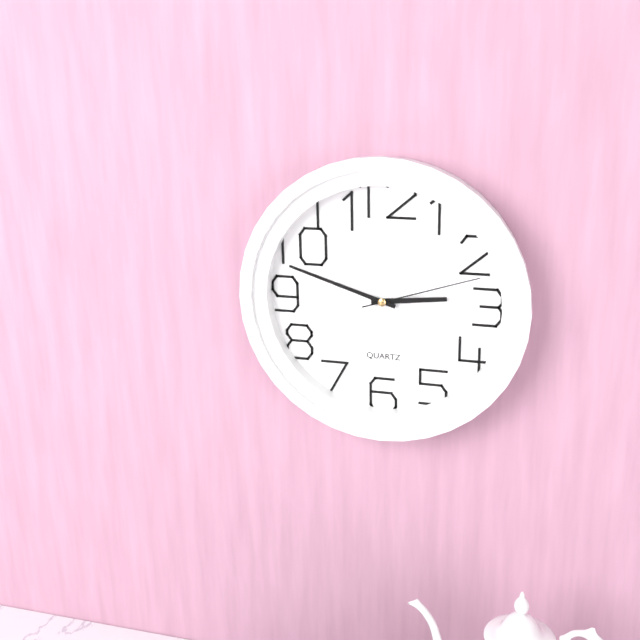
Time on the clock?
2:48:12
